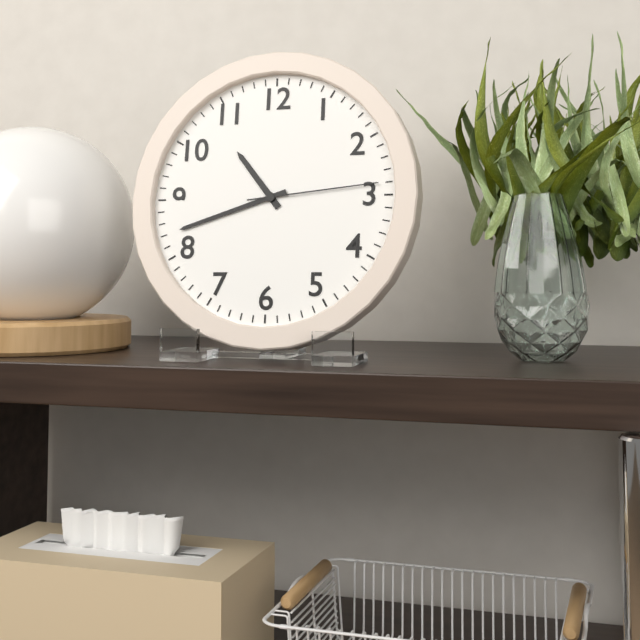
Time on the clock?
10:42:14
